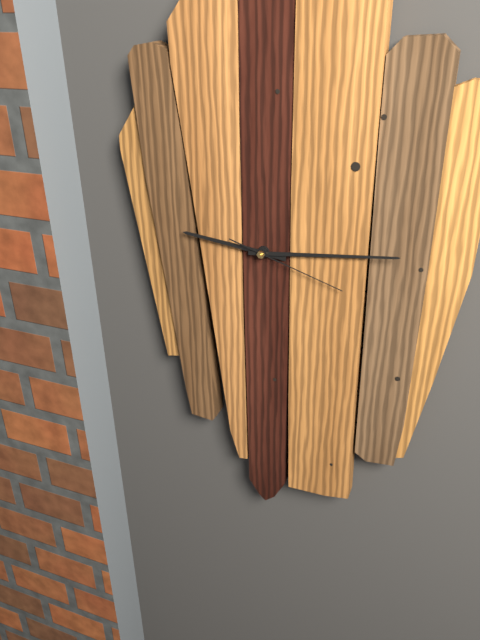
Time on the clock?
9:14:18
